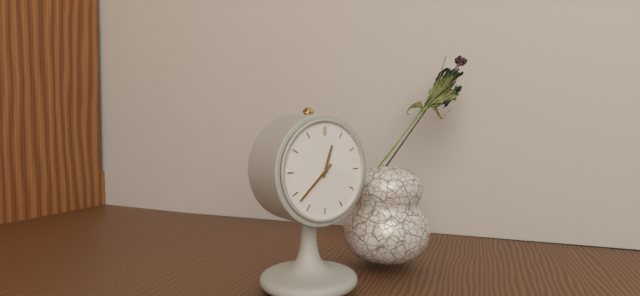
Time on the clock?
12:38
